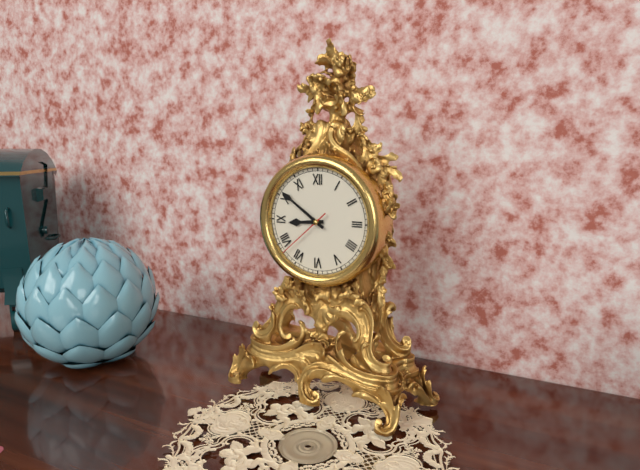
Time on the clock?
8:51:38
